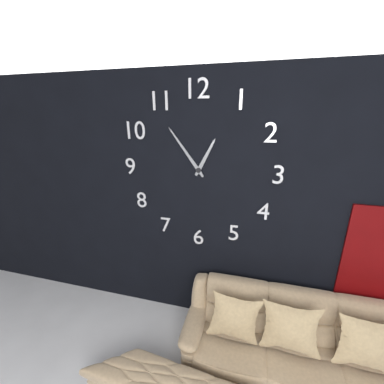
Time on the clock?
12:54
